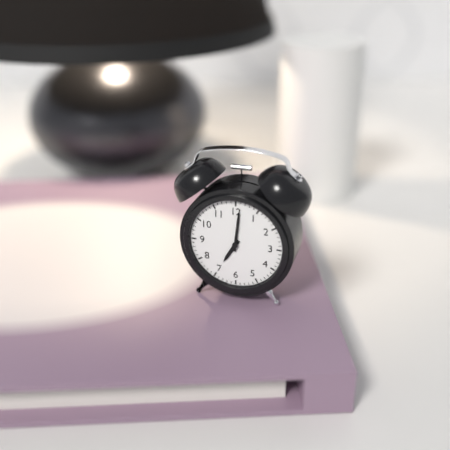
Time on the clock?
7:01
